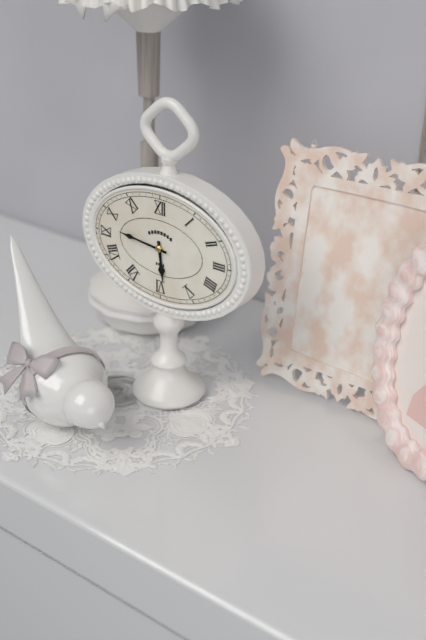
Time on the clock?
5:46
